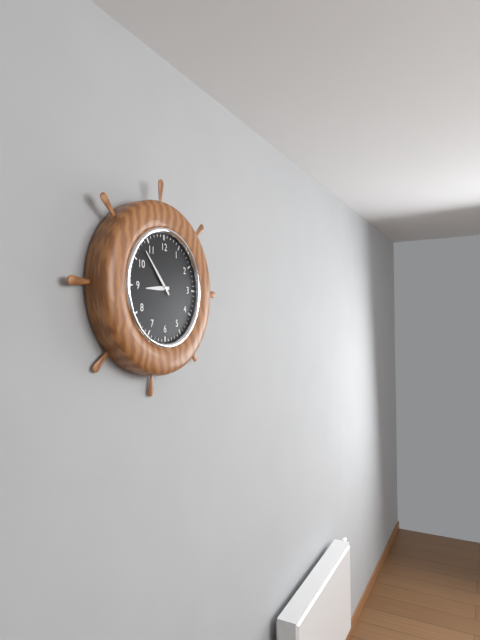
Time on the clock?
8:53
